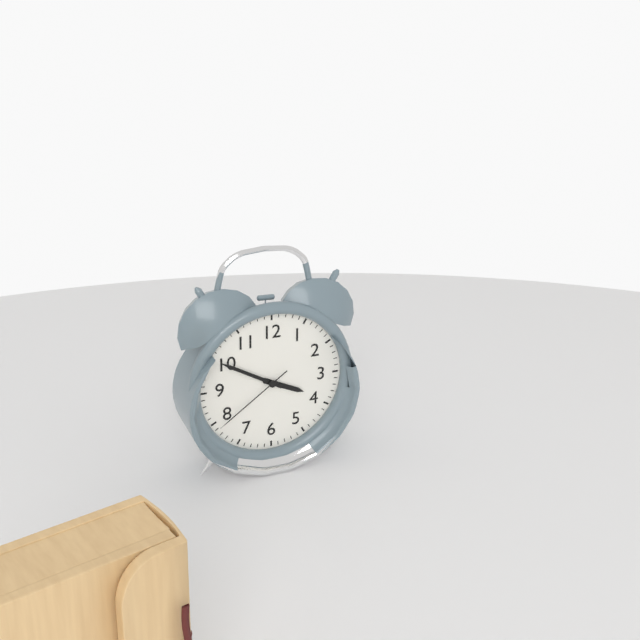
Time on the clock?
3:50:39
